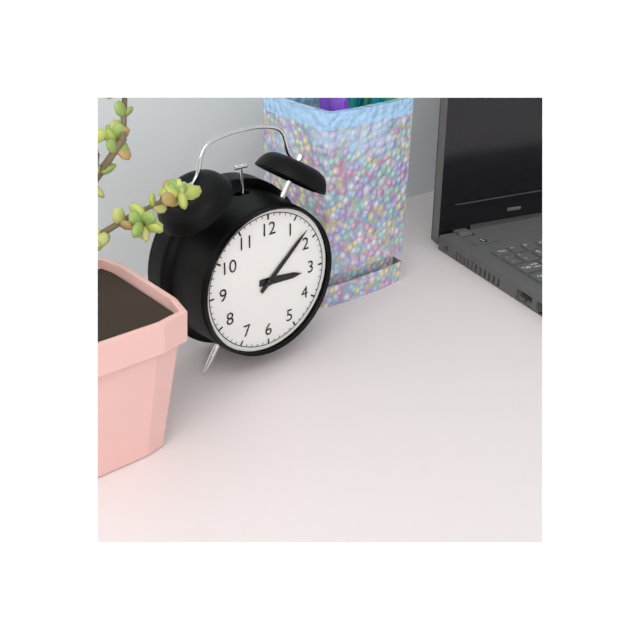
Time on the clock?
3:08
